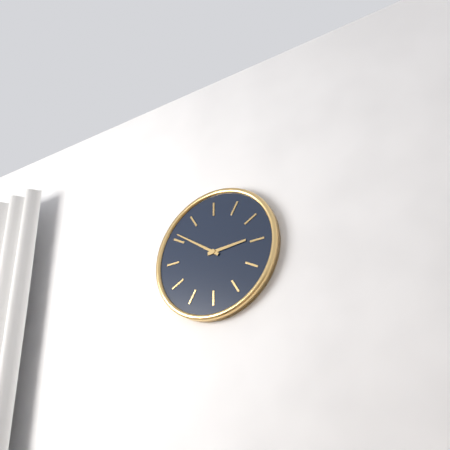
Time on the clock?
2:51
